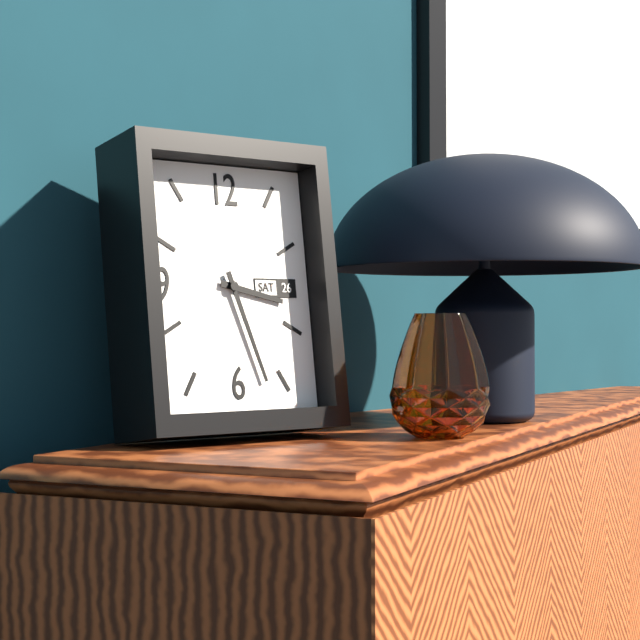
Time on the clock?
3:27
